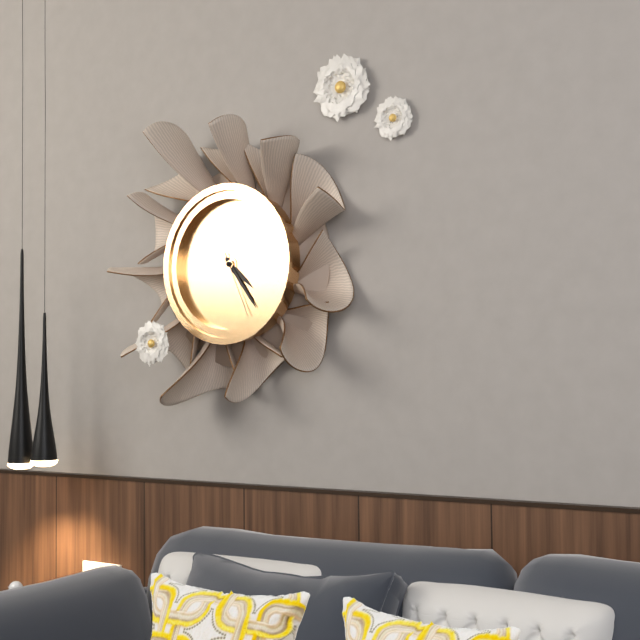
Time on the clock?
4:24:26
